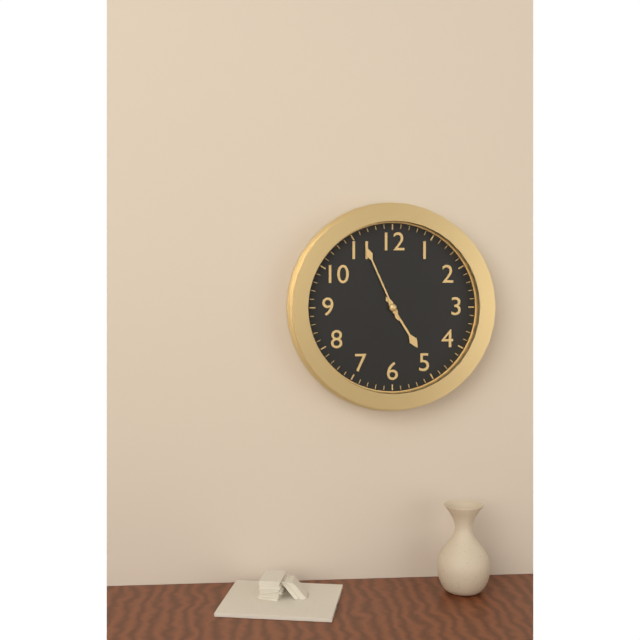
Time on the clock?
4:56
